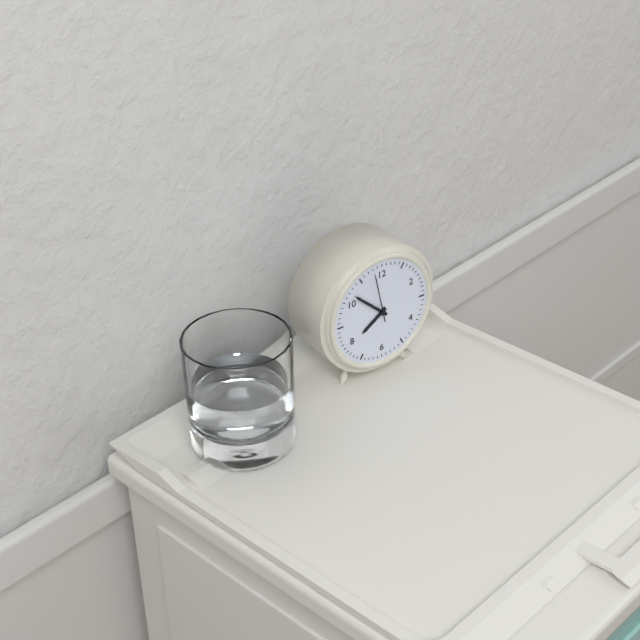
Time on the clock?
7:52
